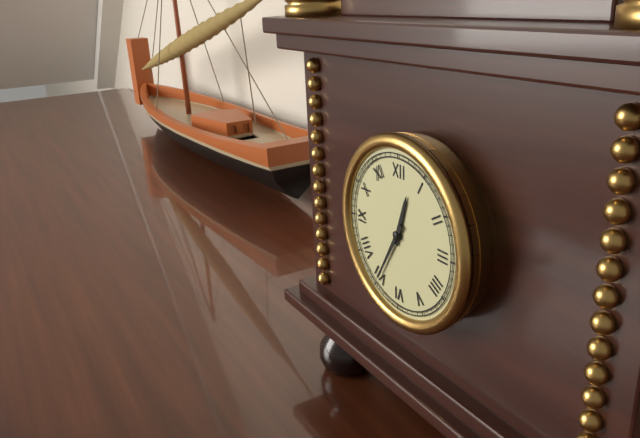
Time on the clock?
12:35
